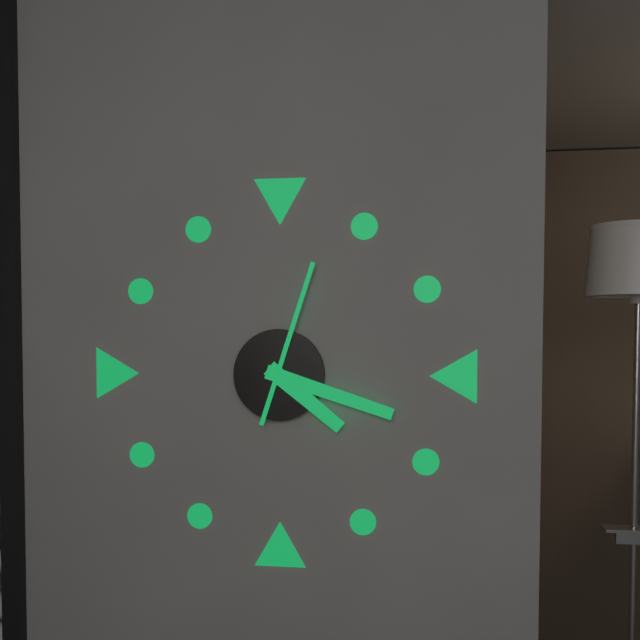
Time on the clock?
4:18:03
